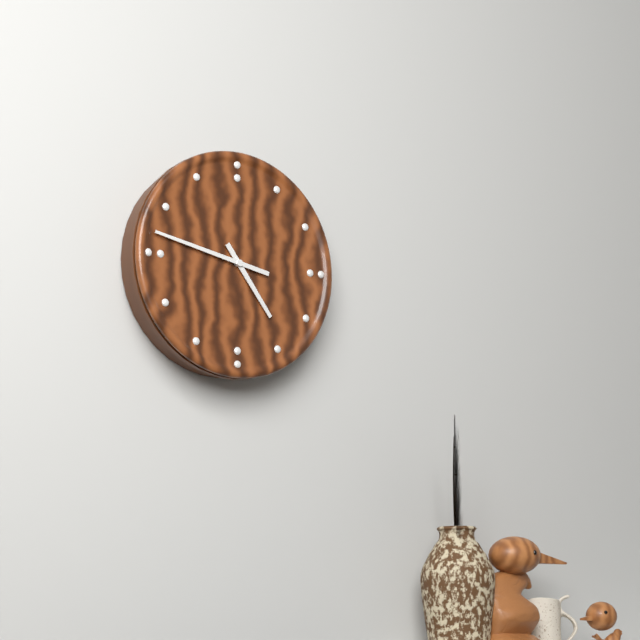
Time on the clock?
4:47
